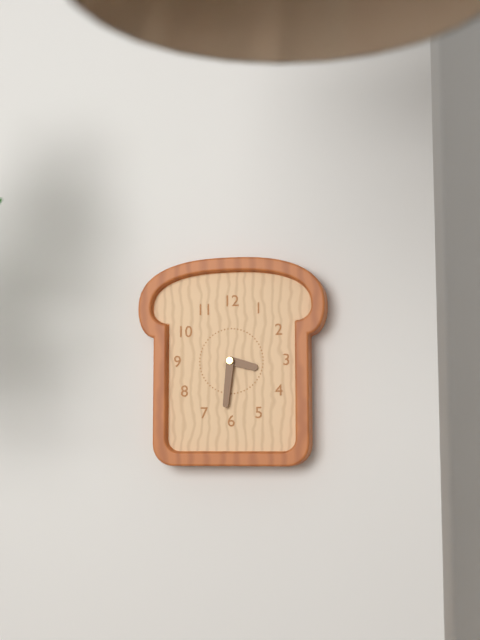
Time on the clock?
3:31
